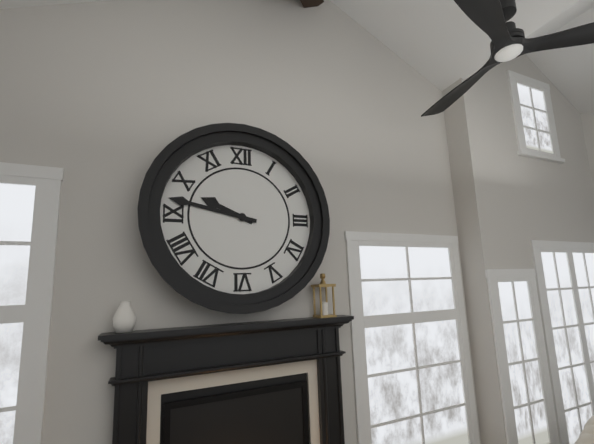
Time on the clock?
9:47
